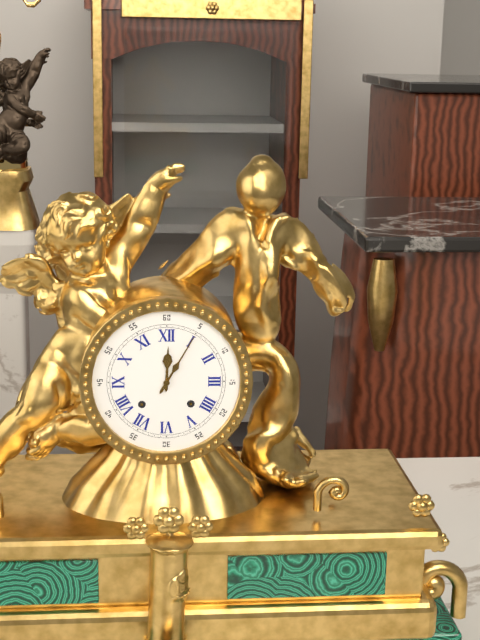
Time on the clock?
12:05
